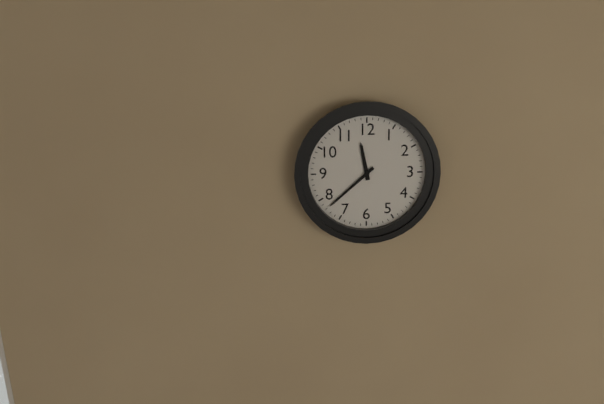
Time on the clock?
11:38
